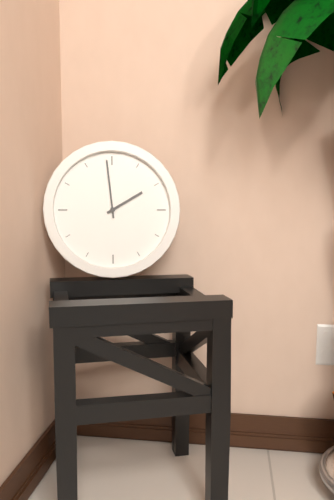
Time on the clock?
1:59
